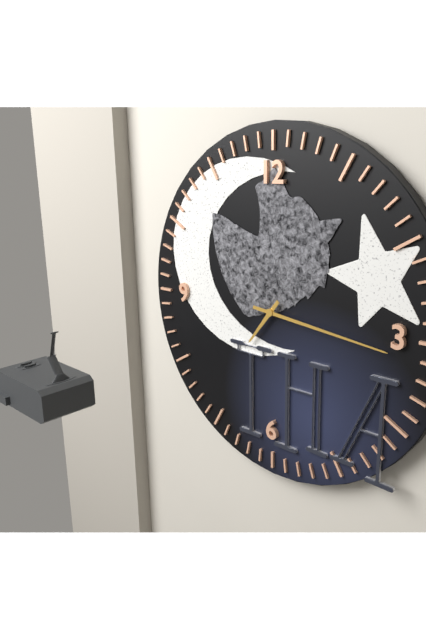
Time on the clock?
7:16
